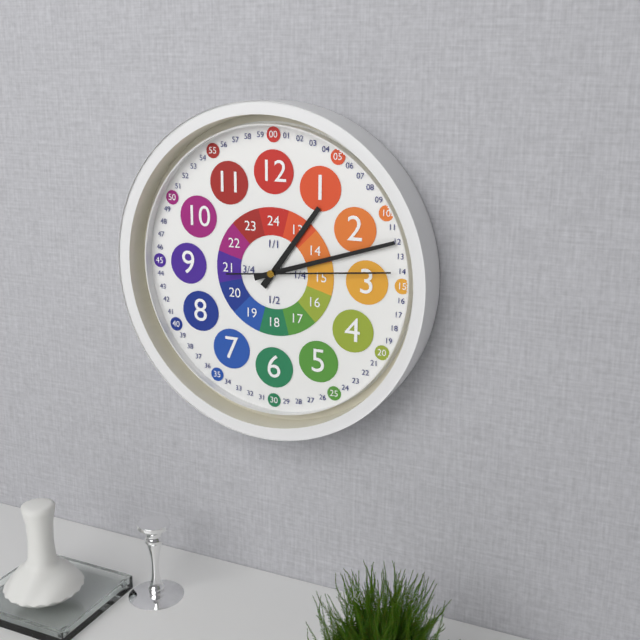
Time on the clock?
1:12:14
